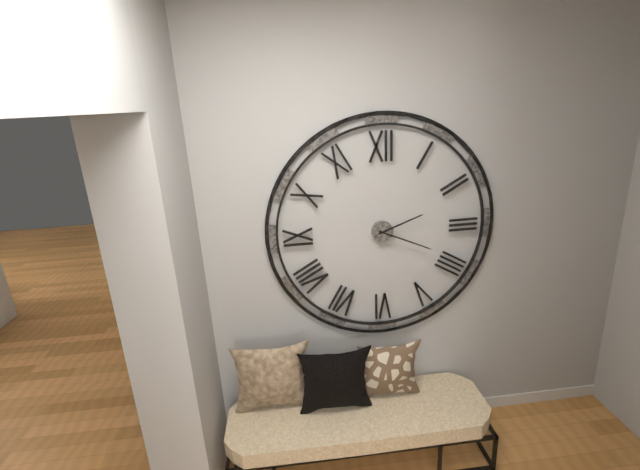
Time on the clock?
2:19
